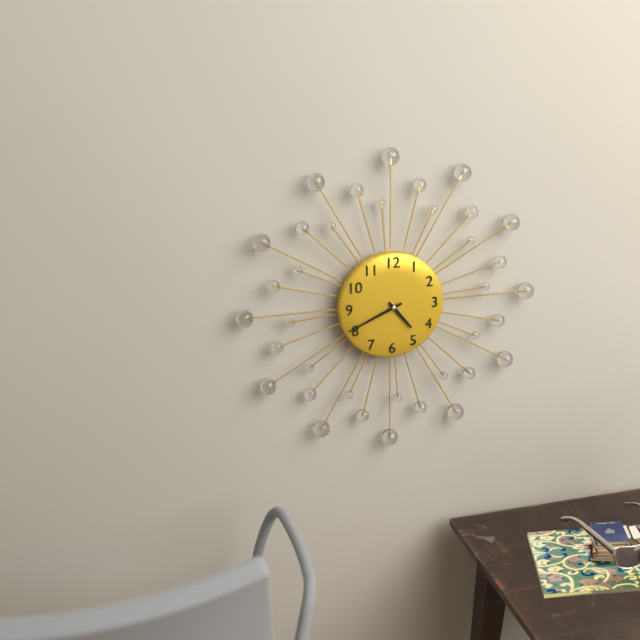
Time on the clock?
4:41
